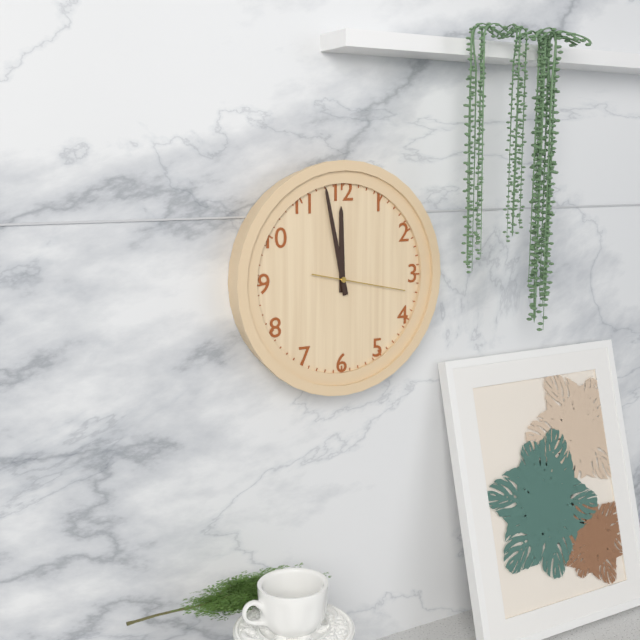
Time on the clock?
11:58:17
